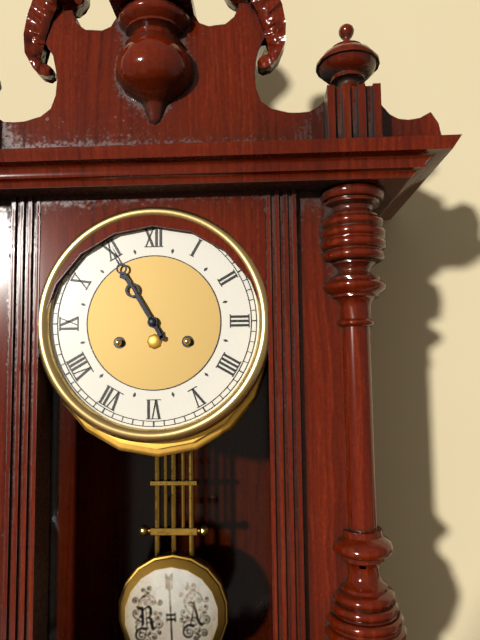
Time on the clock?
10:55
